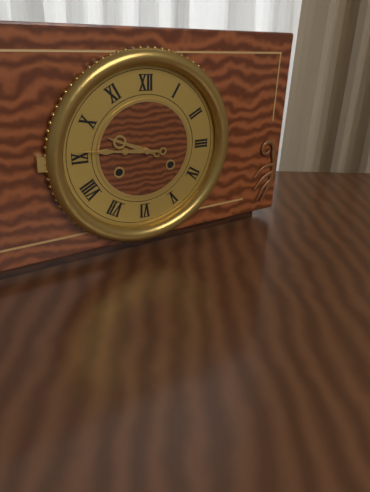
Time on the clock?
9:46
